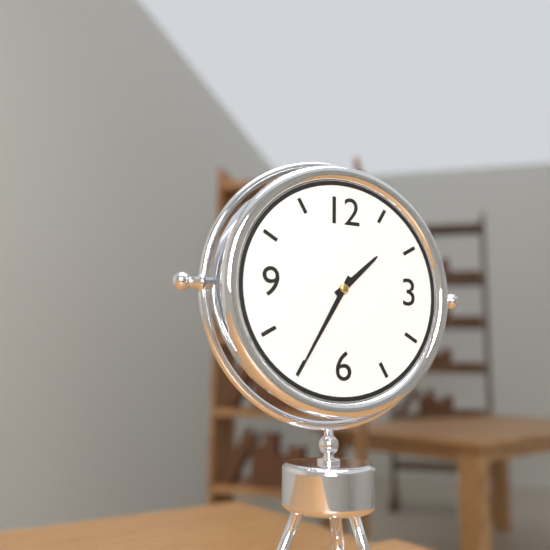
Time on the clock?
1:35
